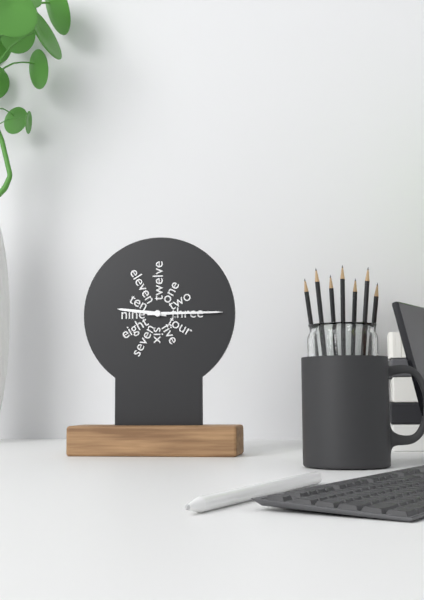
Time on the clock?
9:15
